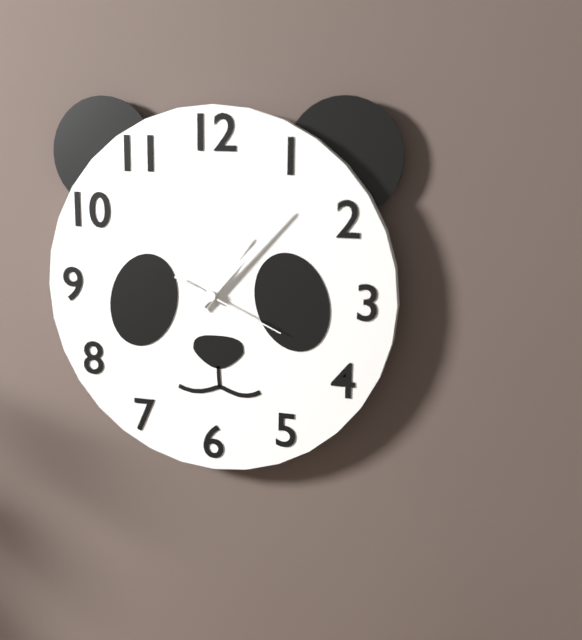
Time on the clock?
1:07:19
